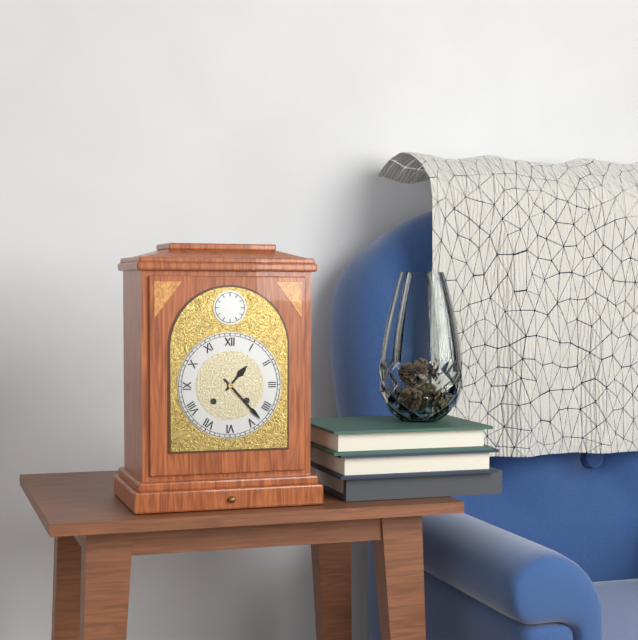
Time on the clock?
1:23
